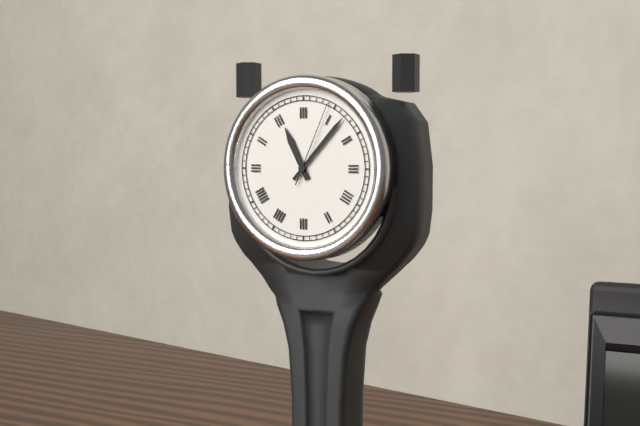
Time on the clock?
11:07:04
